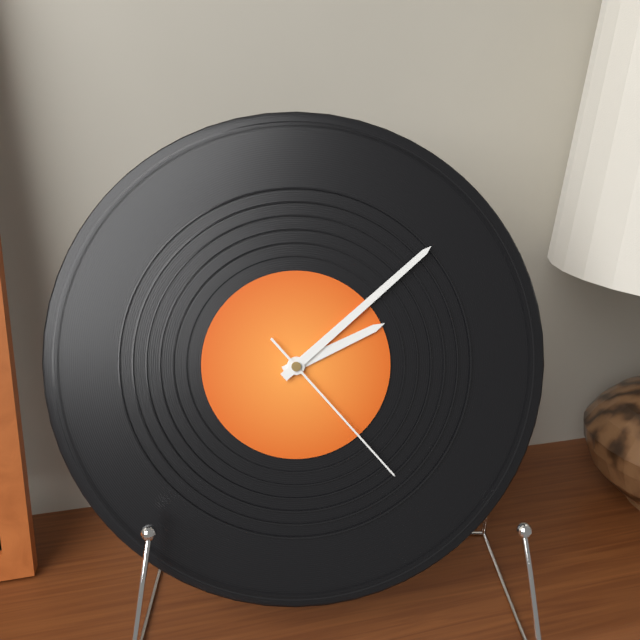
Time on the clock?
2:08:23
